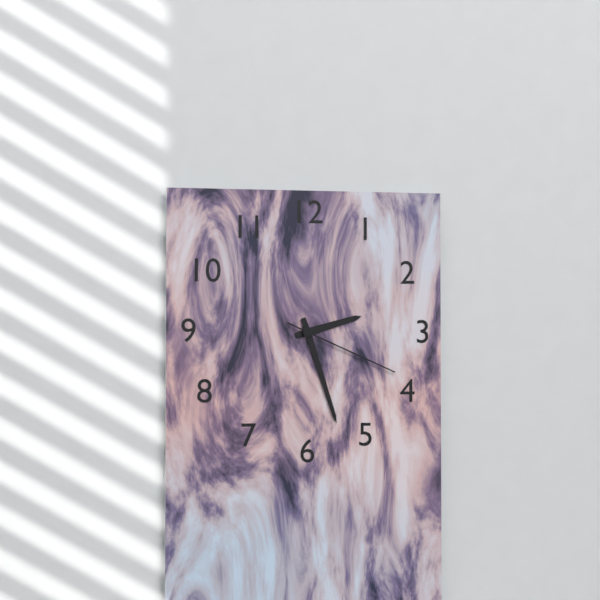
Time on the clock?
2:27:19
